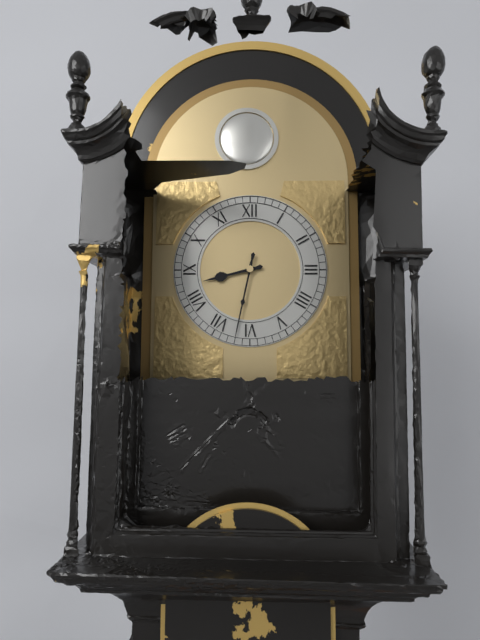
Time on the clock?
8:32
